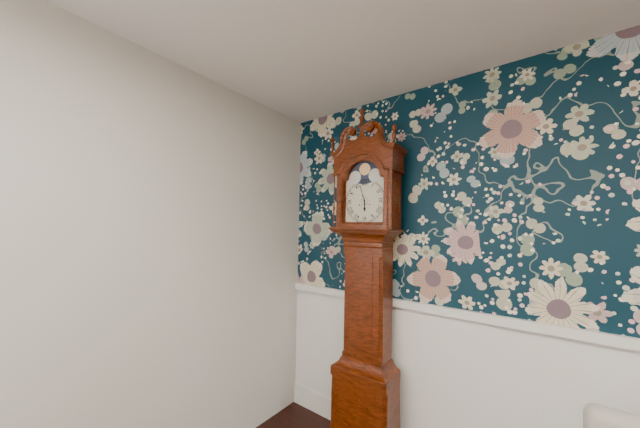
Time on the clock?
5:57
